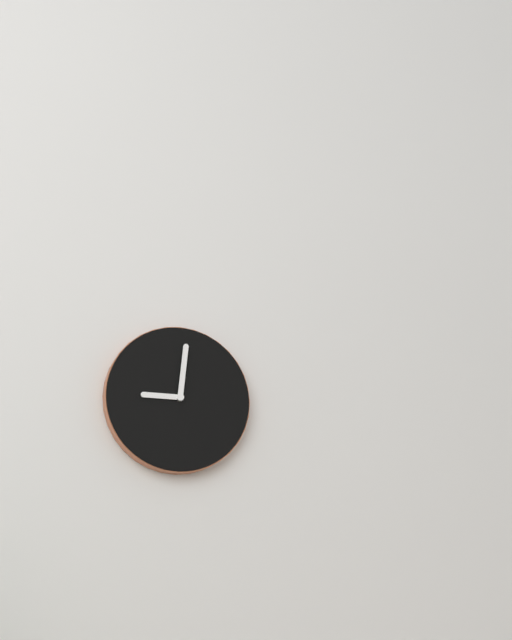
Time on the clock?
9:01
